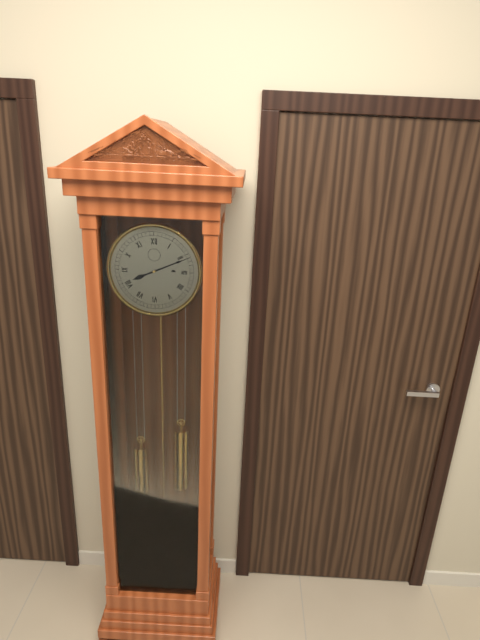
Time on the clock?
8:11
